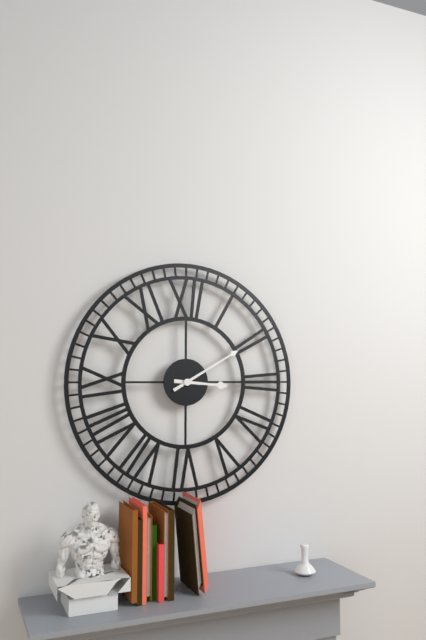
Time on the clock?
3:10
